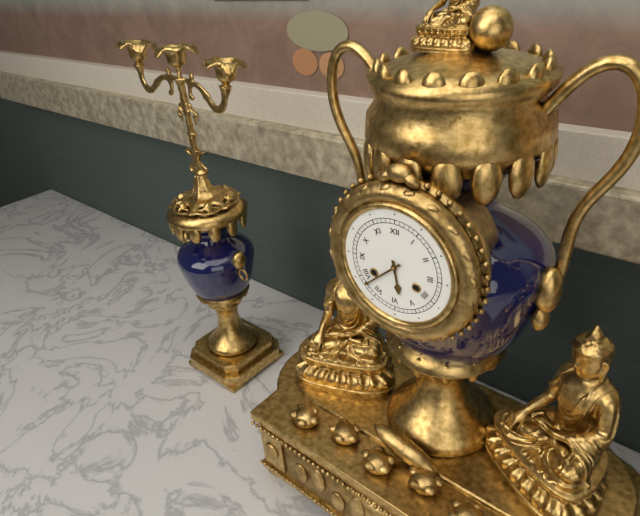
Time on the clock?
5:38
